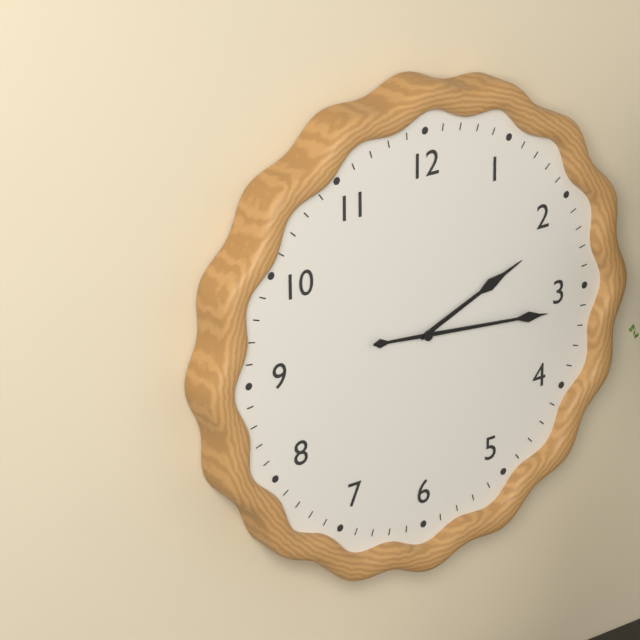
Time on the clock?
2:16
